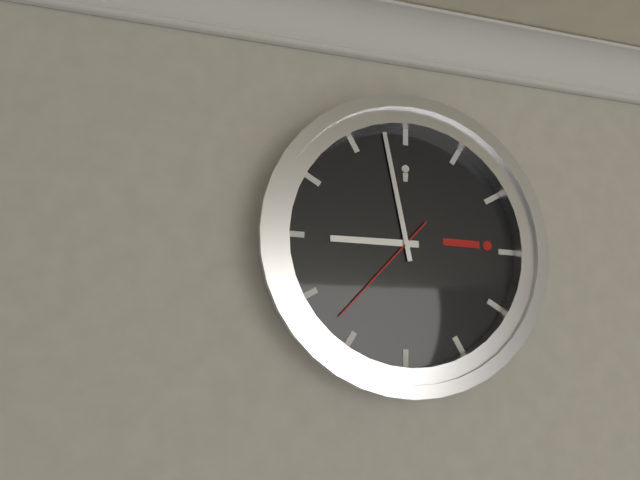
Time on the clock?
8:58:37
